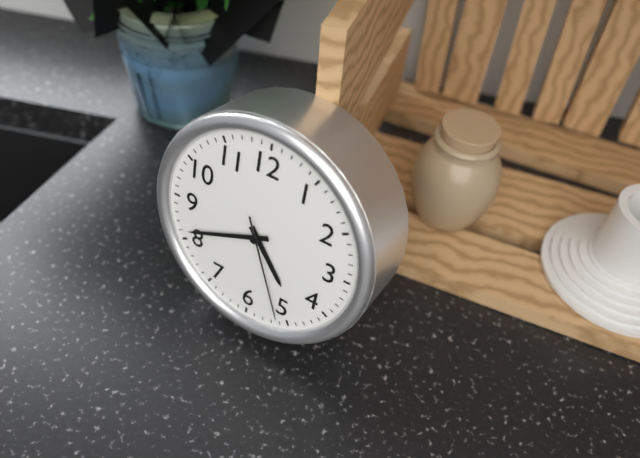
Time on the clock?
4:41:26
